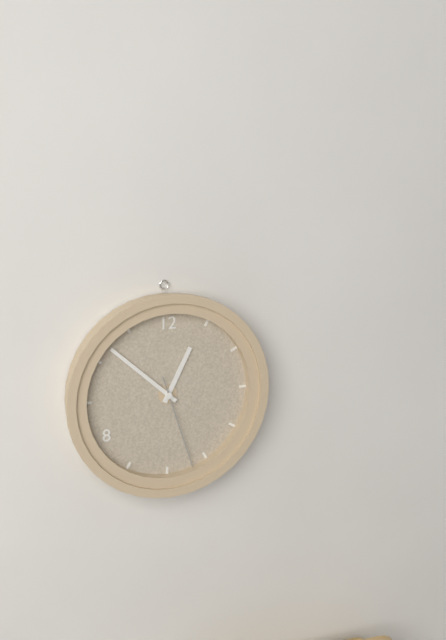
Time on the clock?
12:52:27
